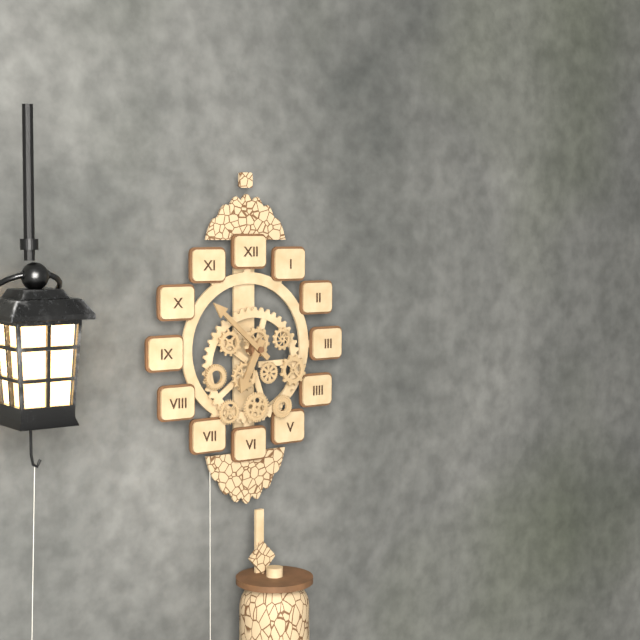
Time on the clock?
6:52
